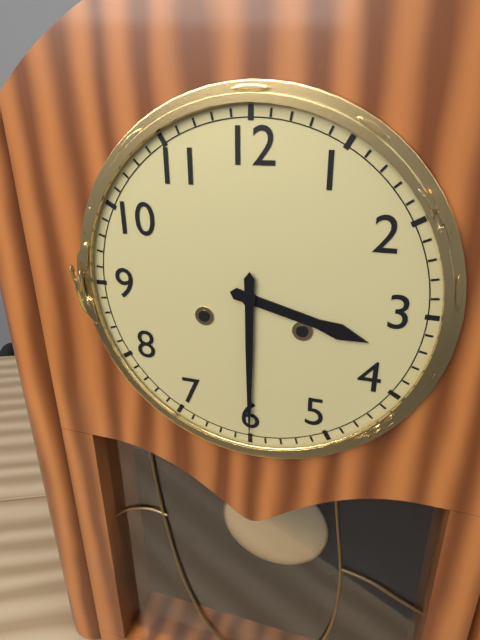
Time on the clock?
3:30
